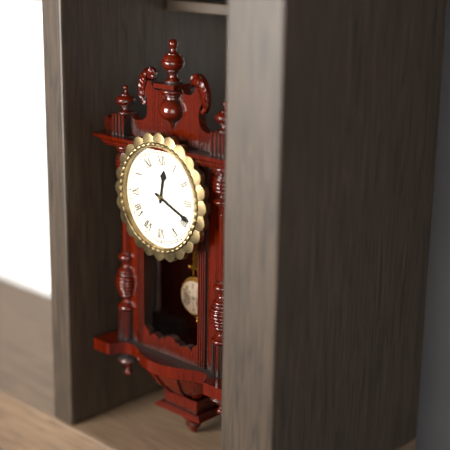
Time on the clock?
12:19
